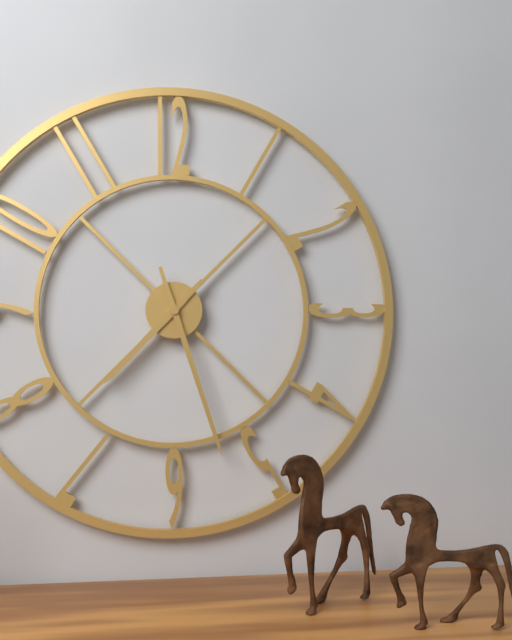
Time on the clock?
7:27
